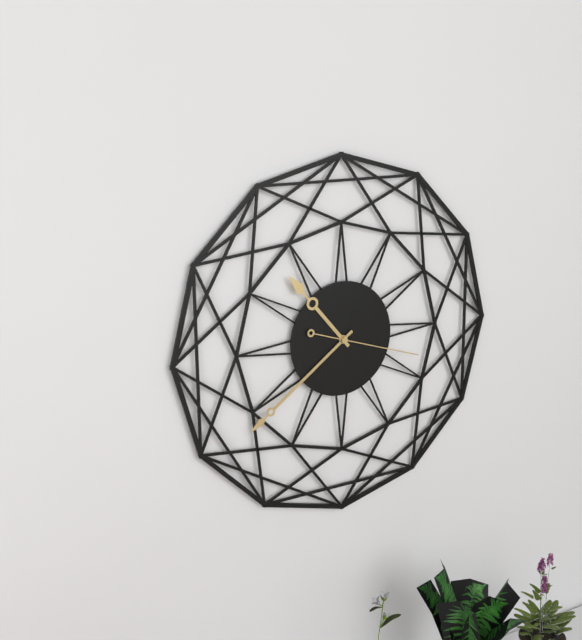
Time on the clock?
10:39:18
